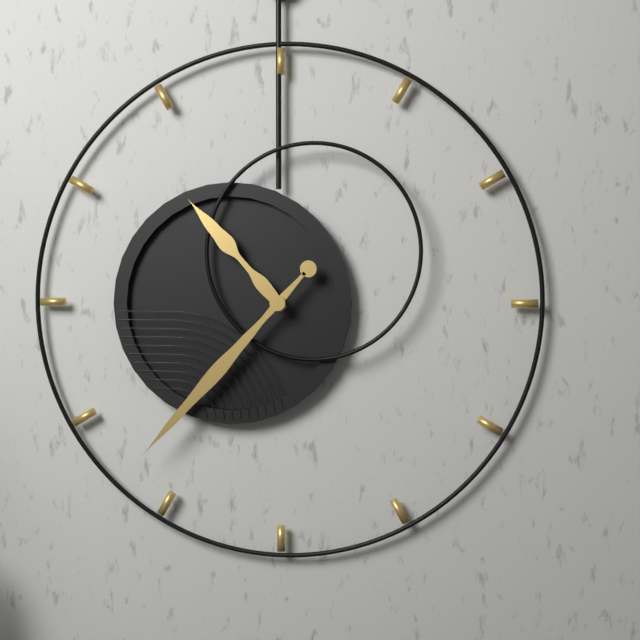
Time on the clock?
10:37
